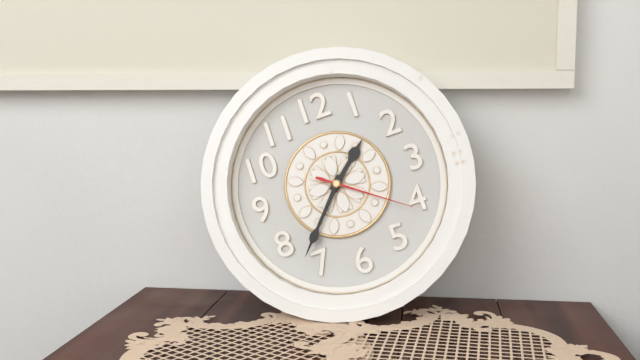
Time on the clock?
1:37:21
